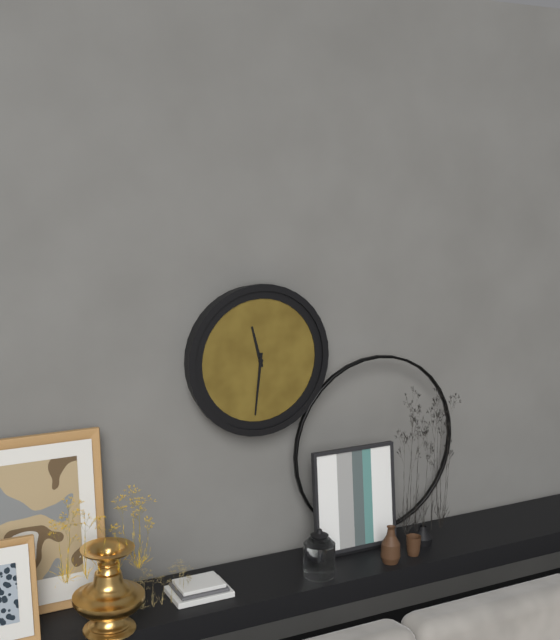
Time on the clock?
11:31
